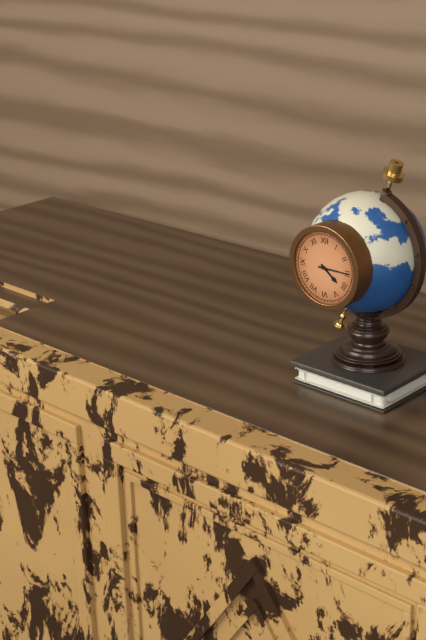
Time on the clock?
4:15
